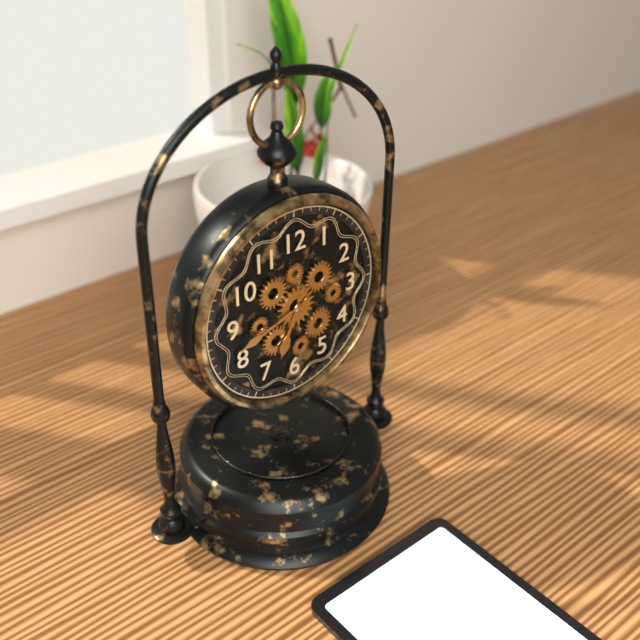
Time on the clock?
6:42
